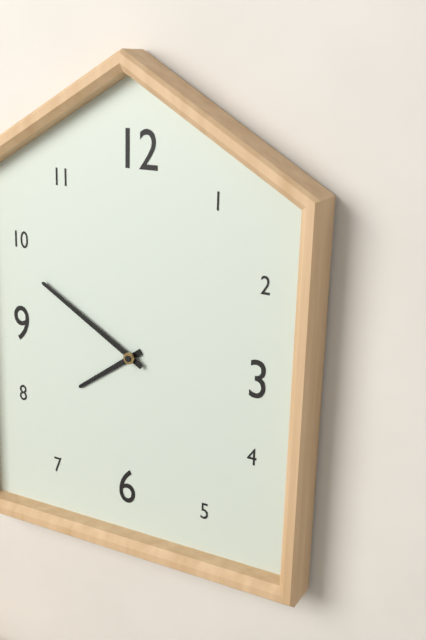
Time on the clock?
7:50
